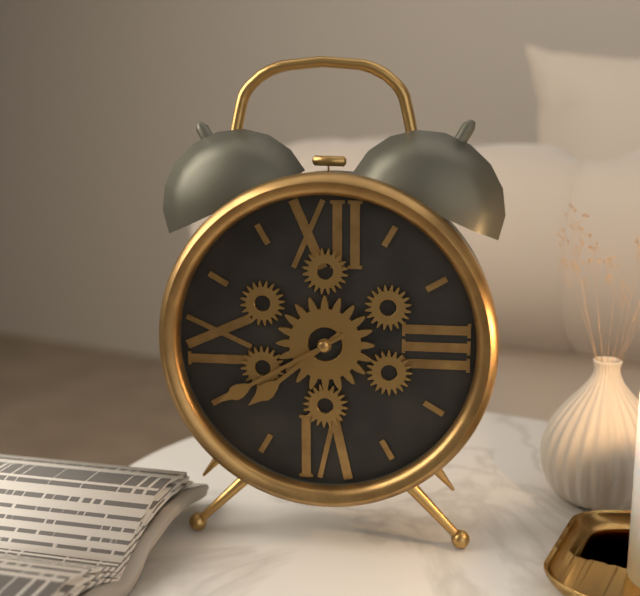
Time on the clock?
7:40
